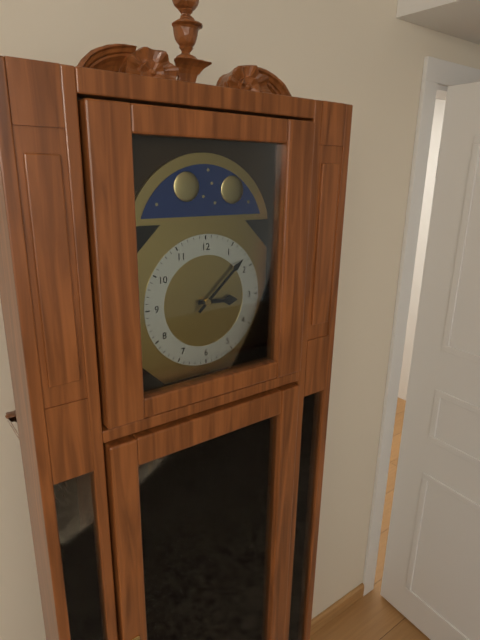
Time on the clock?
3:08
